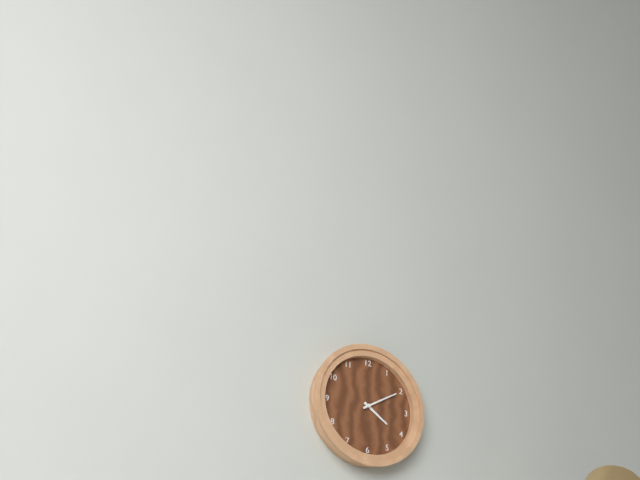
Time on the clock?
4:10
